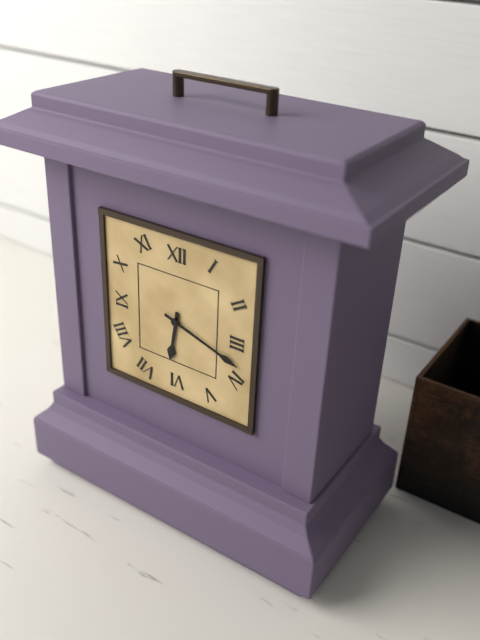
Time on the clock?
6:18
